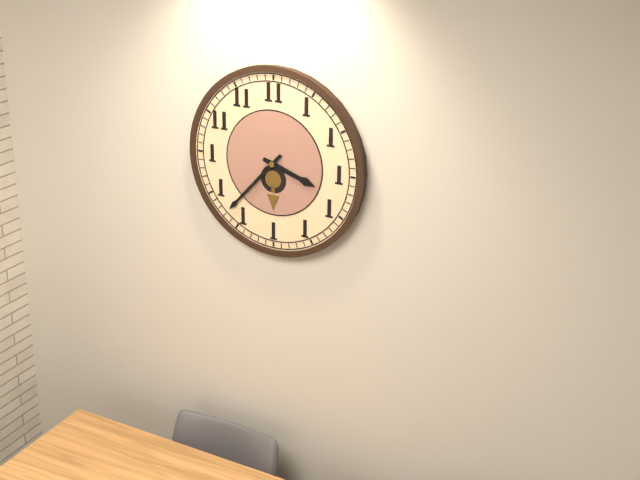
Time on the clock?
3:37
